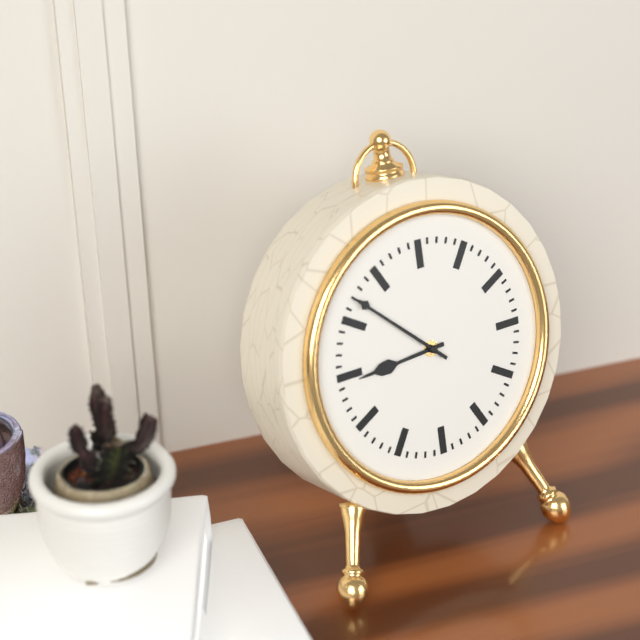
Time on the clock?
8:52
